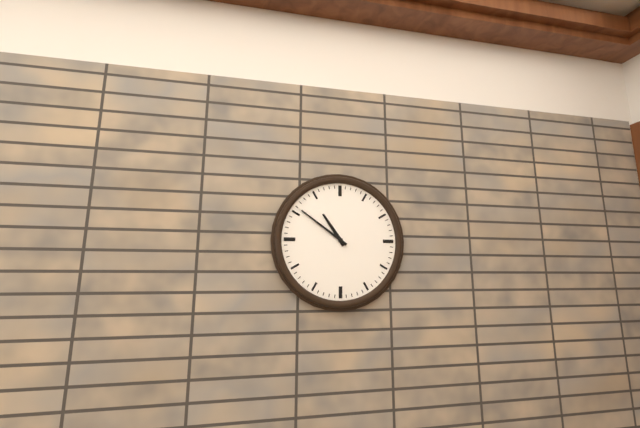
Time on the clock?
10:51
